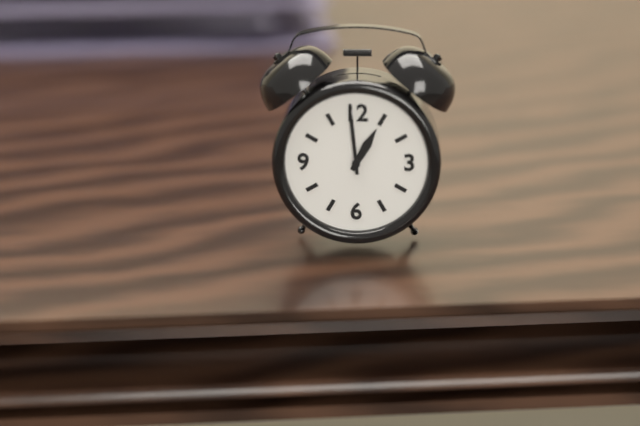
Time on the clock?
12:59
